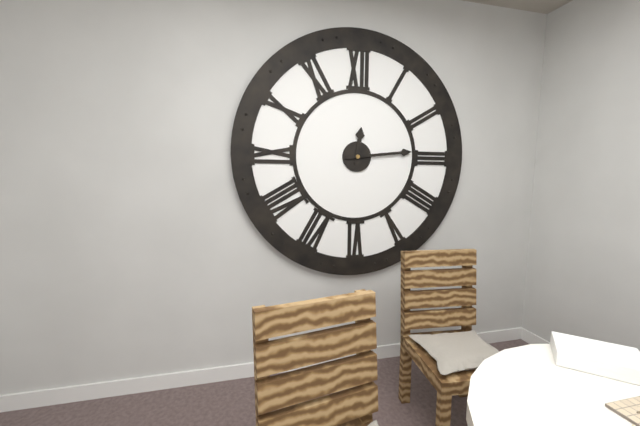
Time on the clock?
12:14
